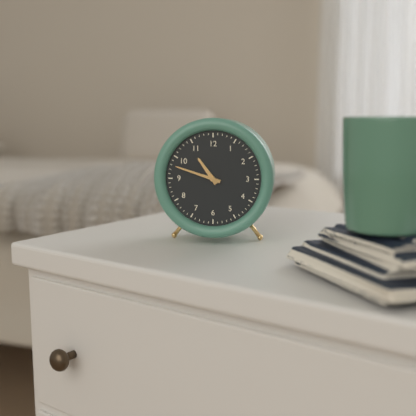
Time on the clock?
10:48
